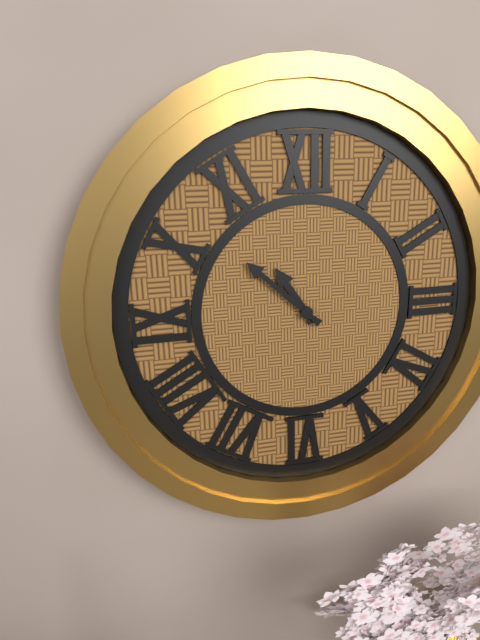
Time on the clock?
10:52
